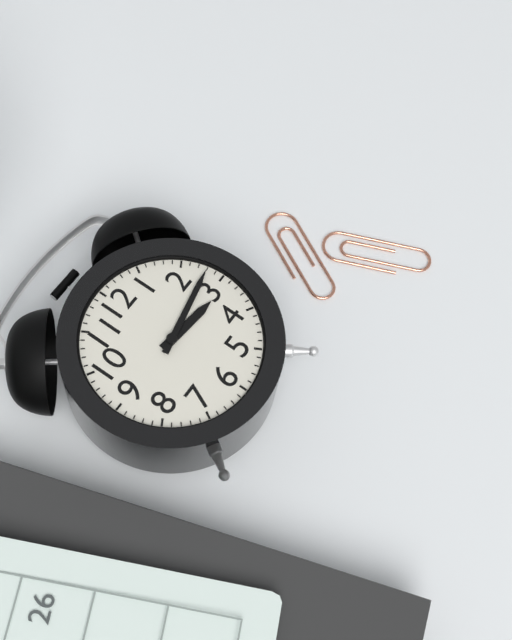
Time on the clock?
3:13
